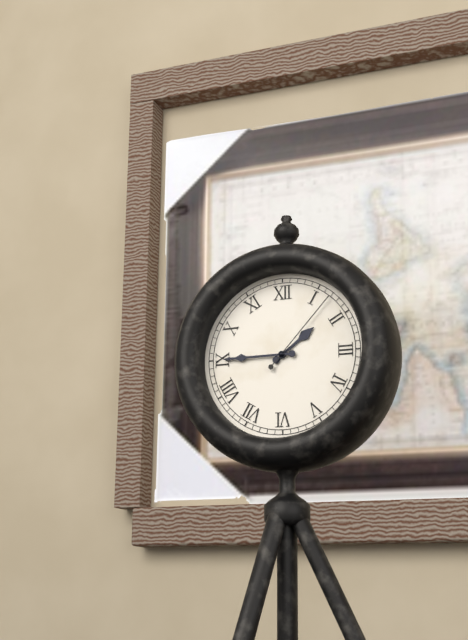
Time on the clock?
1:45:07
